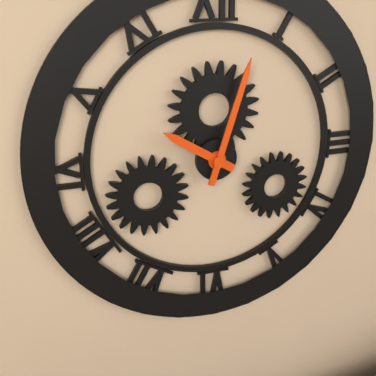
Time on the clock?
10:03
